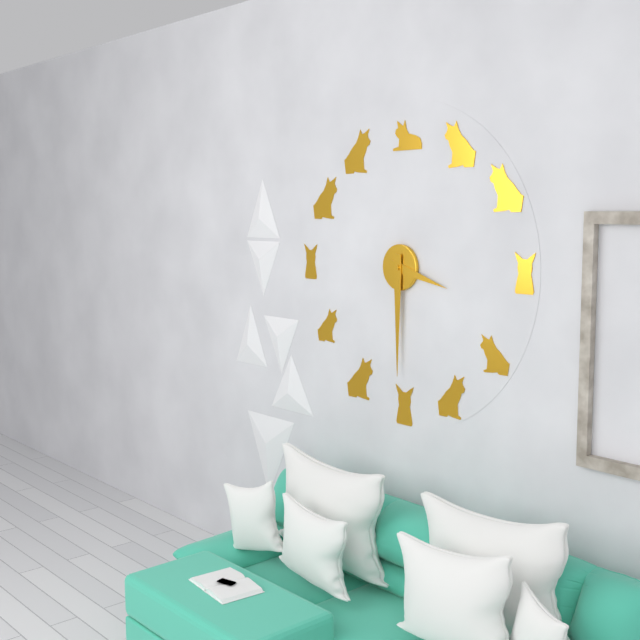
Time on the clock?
3:30
